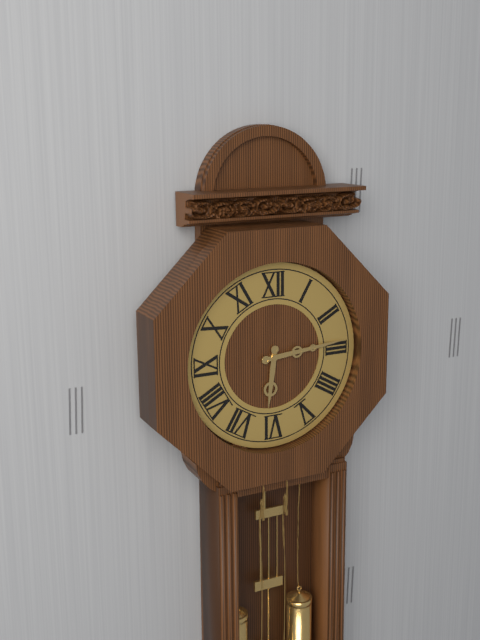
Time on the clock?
6:14
